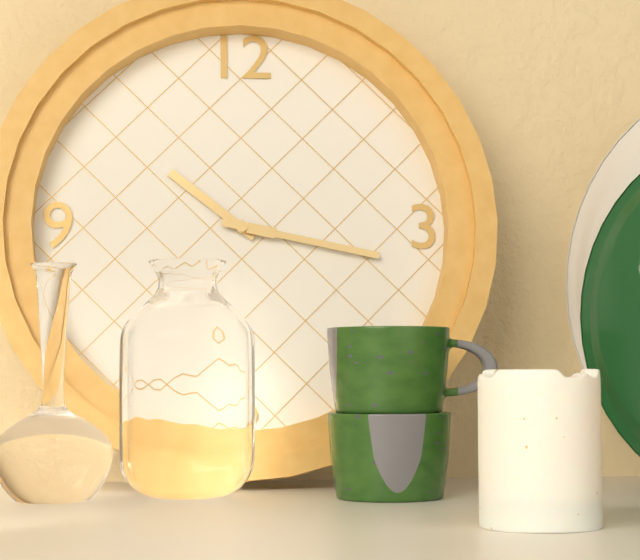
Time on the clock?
10:17
